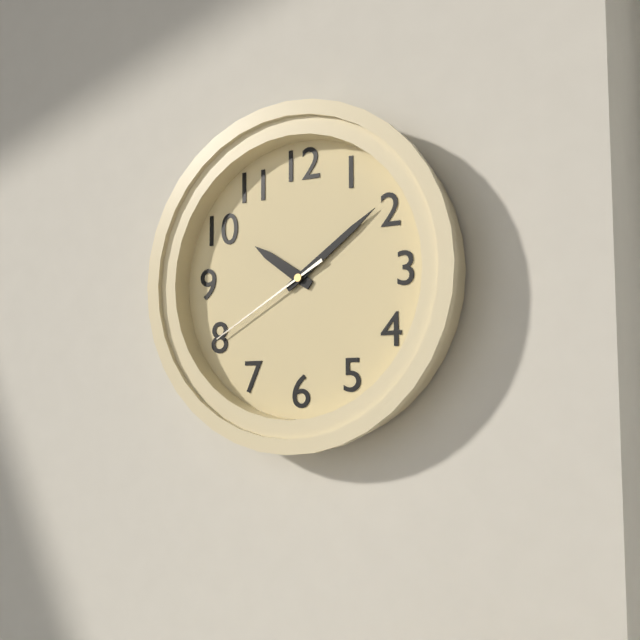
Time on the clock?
10:09:40
